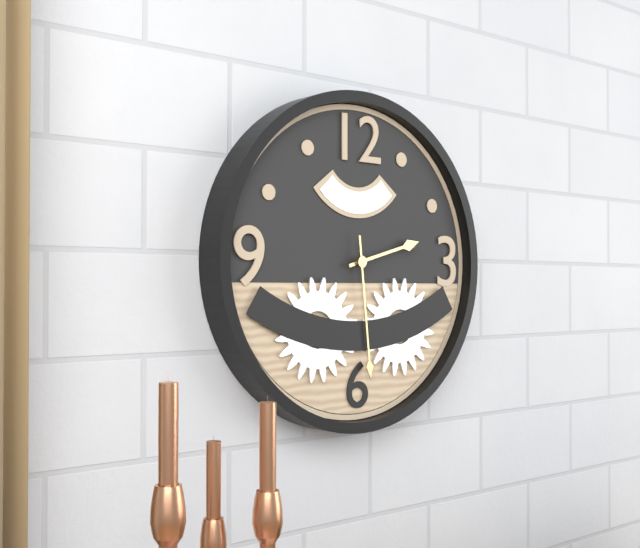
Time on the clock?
2:29
